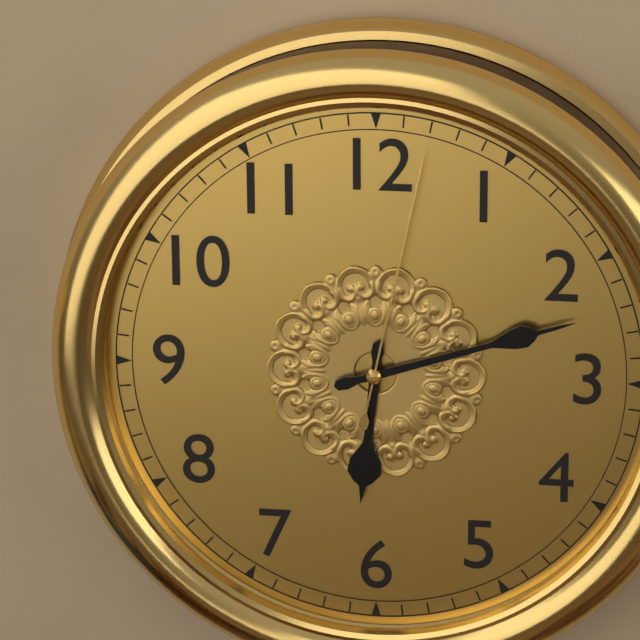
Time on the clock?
6:12:02
